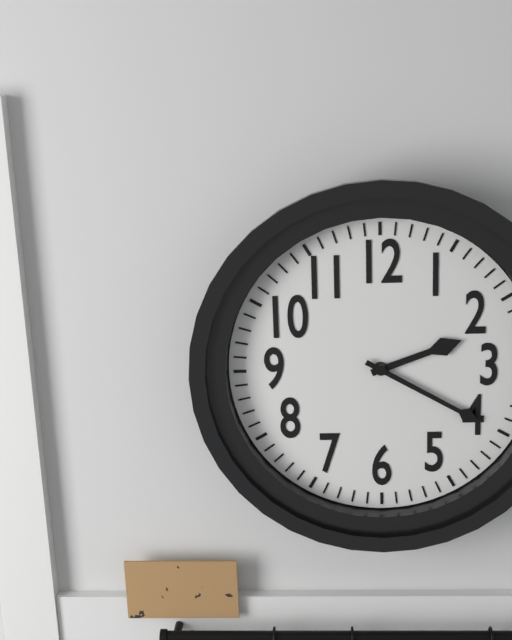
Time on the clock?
2:20
